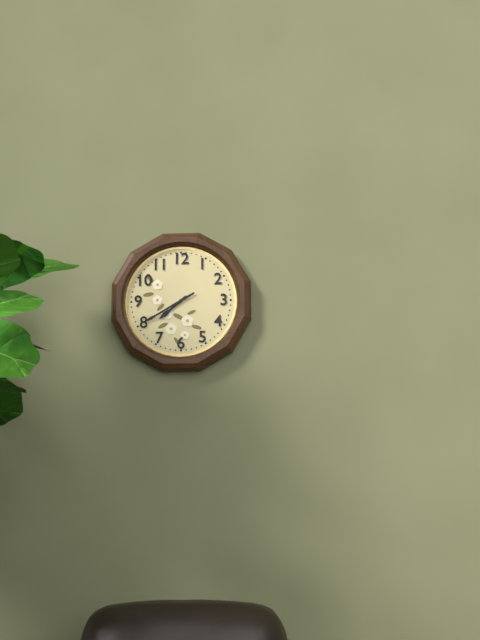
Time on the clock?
7:40
